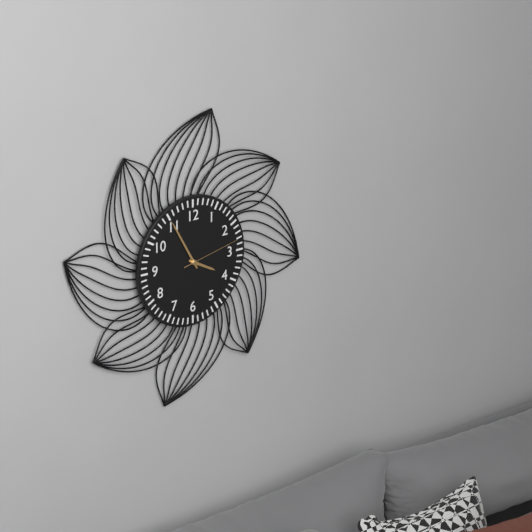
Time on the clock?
3:55:13
